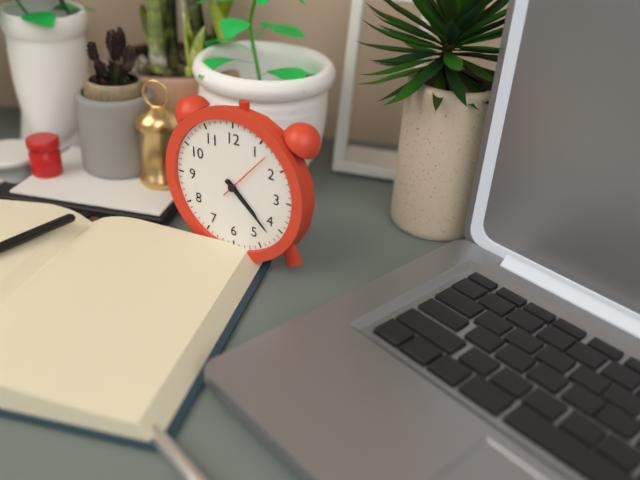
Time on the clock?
4:22:07
